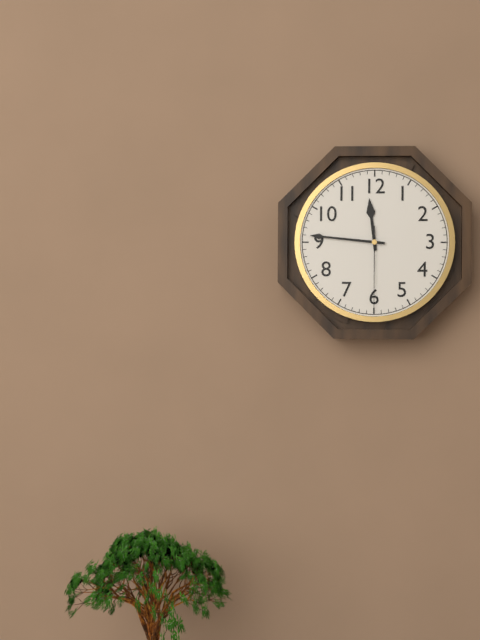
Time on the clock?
11:46:30
